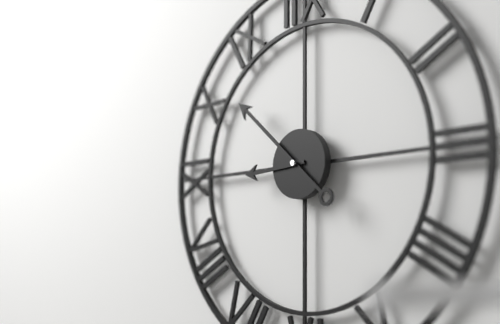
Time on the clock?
8:52
